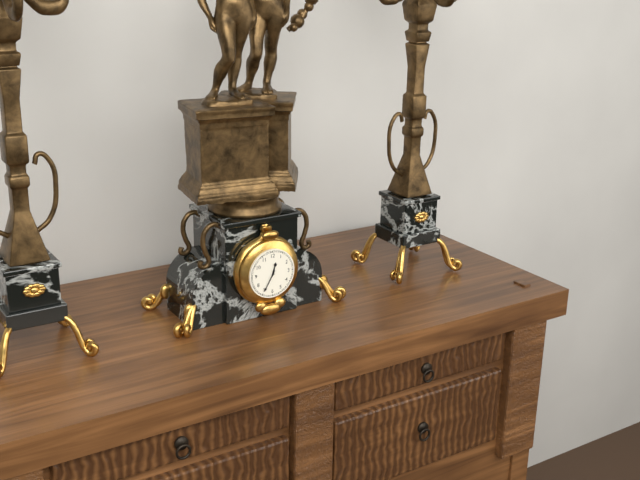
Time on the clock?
12:35
